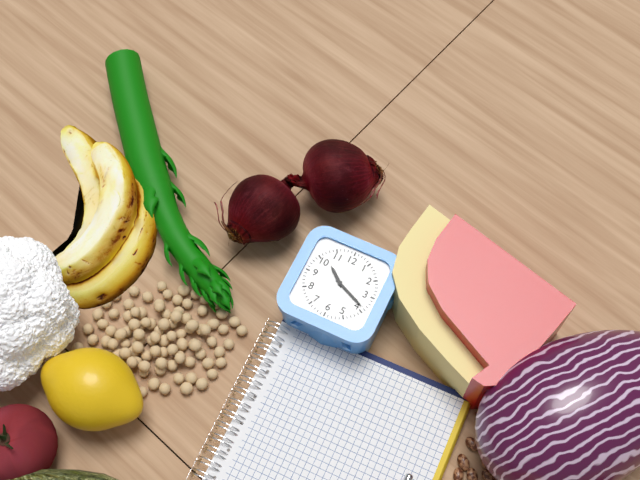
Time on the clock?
10:19
